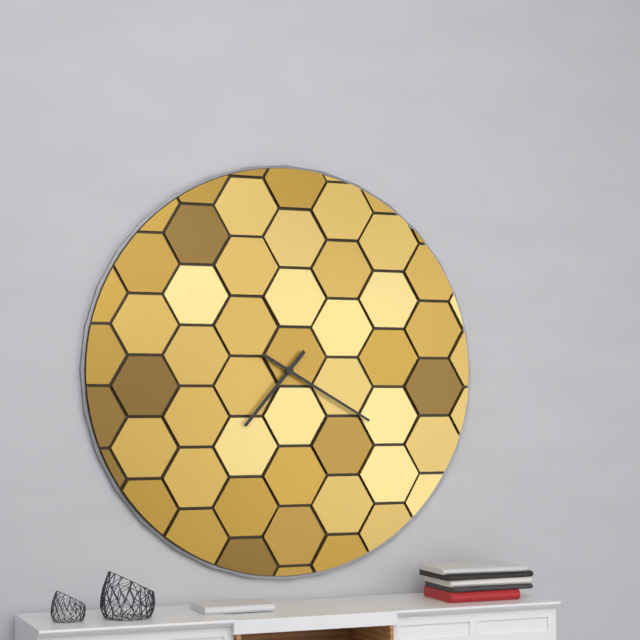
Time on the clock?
7:20
